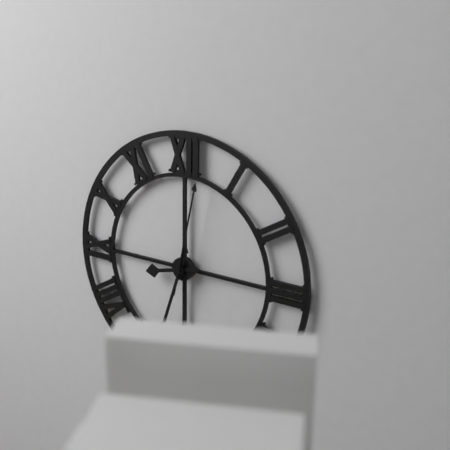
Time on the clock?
8:33:02
